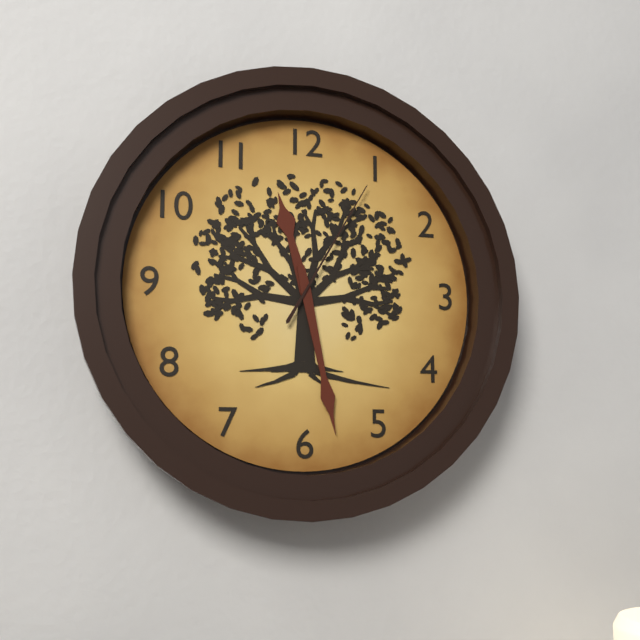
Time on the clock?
11:28:05
